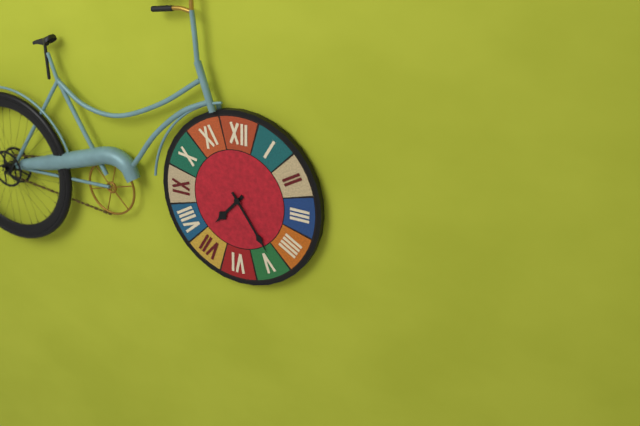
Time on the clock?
7:24
